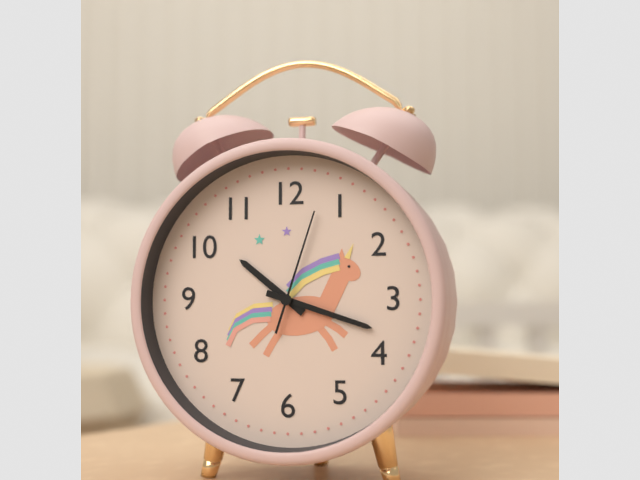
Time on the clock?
10:18:03
